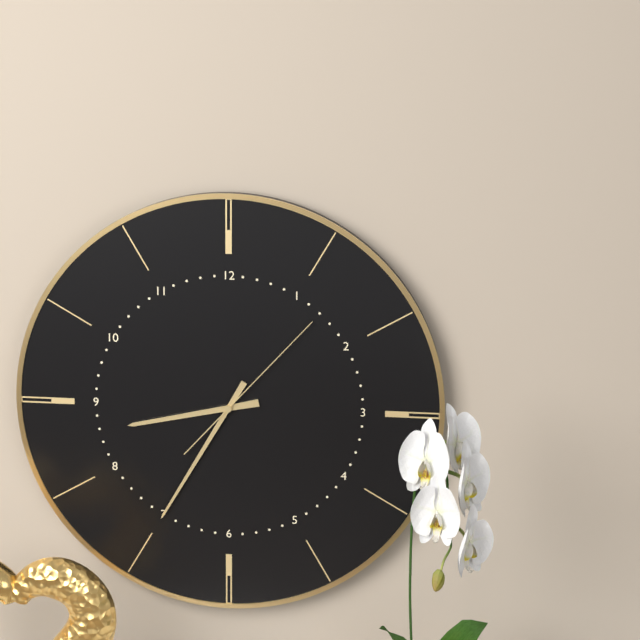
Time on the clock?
8:35:07
